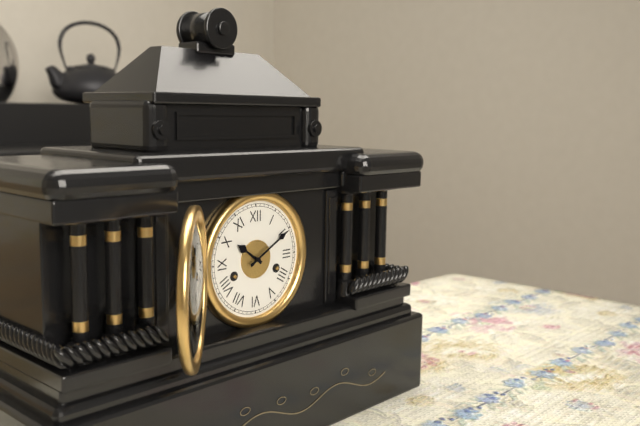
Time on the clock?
10:10
